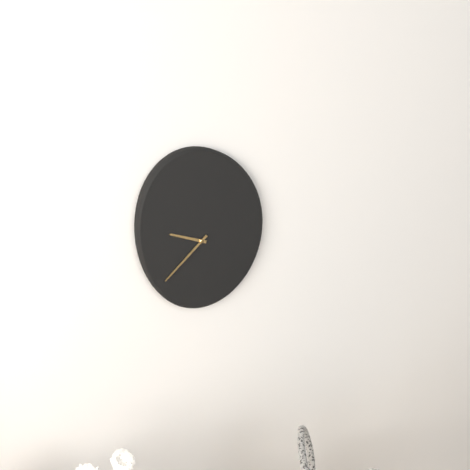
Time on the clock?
9:38
